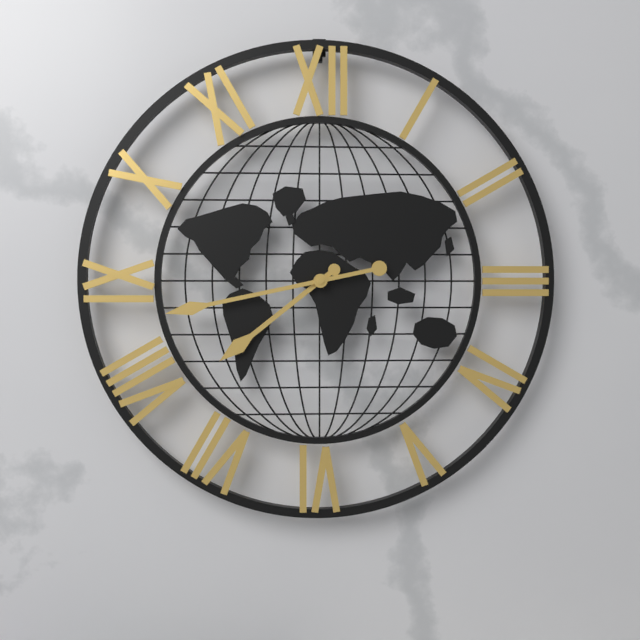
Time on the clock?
7:43
